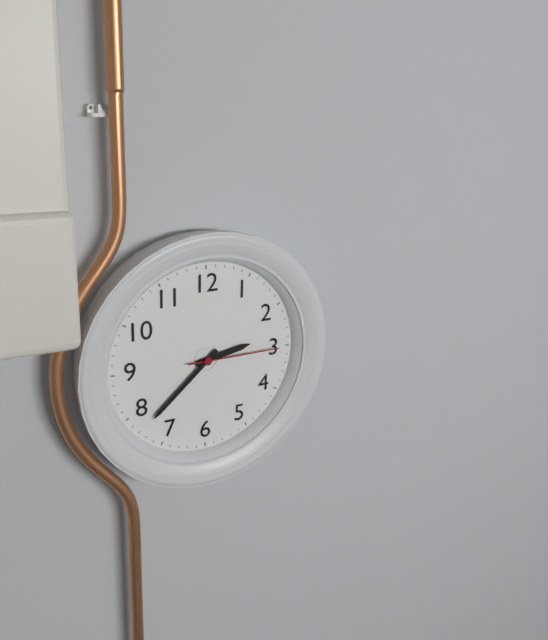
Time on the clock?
2:38:15
